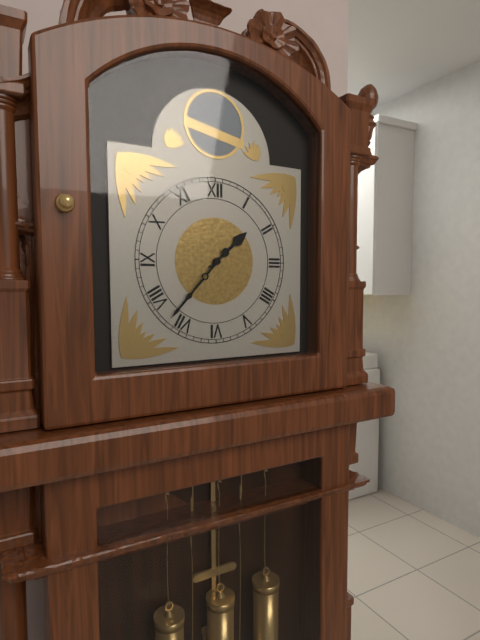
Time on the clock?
1:37
